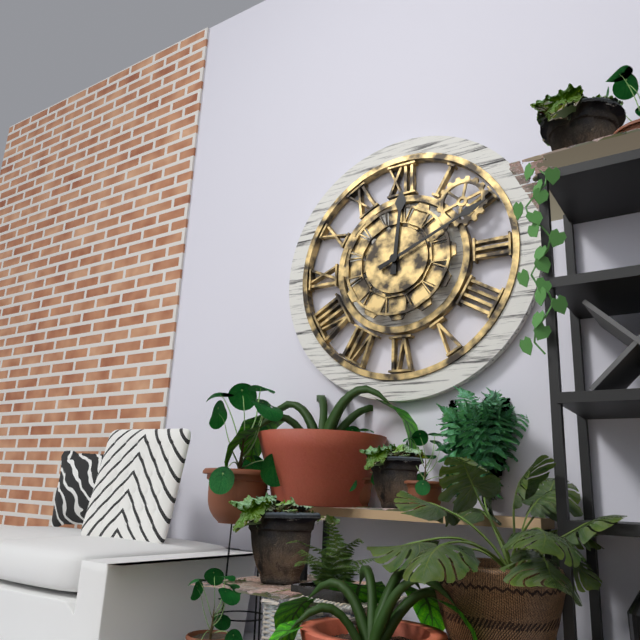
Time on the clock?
12:11
